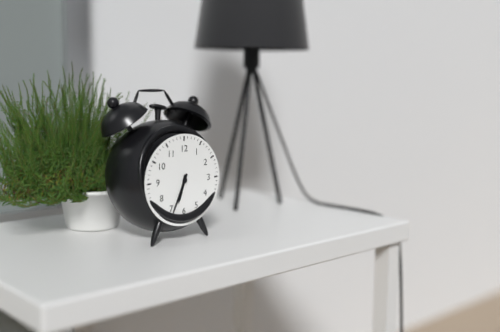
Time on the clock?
6:34
